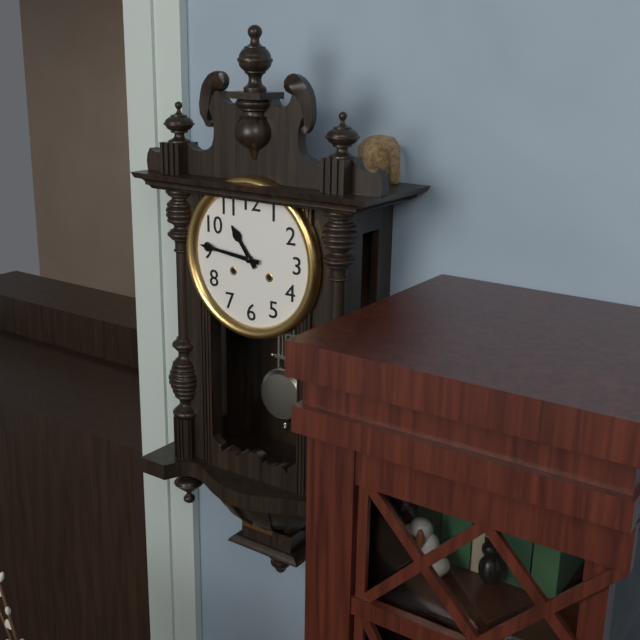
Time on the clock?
10:46
